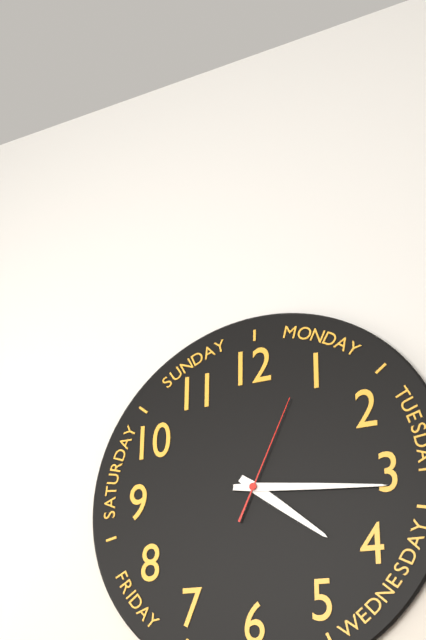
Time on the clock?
4:16:04
